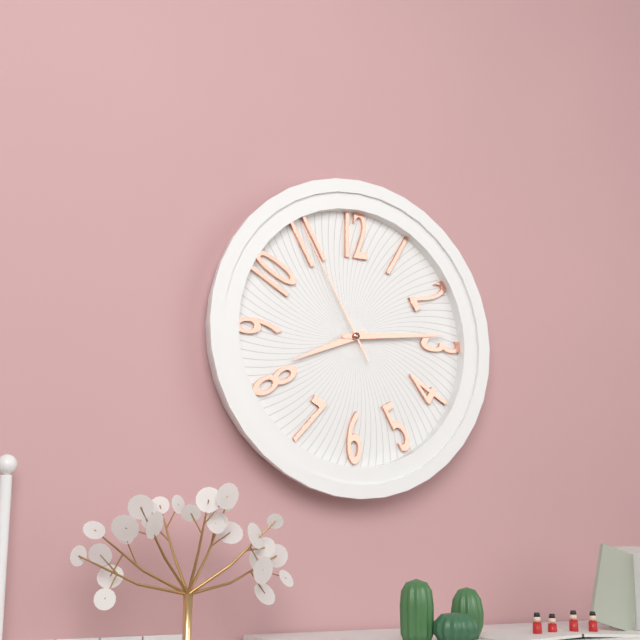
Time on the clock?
8:14:55
